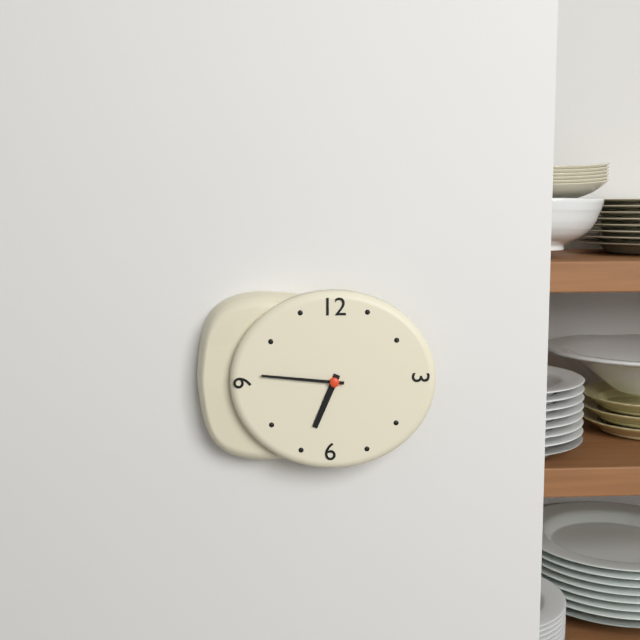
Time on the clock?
6:46
